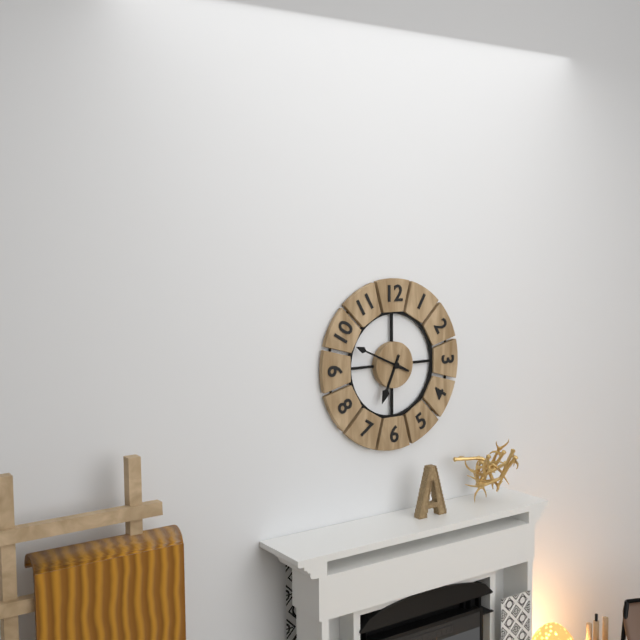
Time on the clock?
6:49
